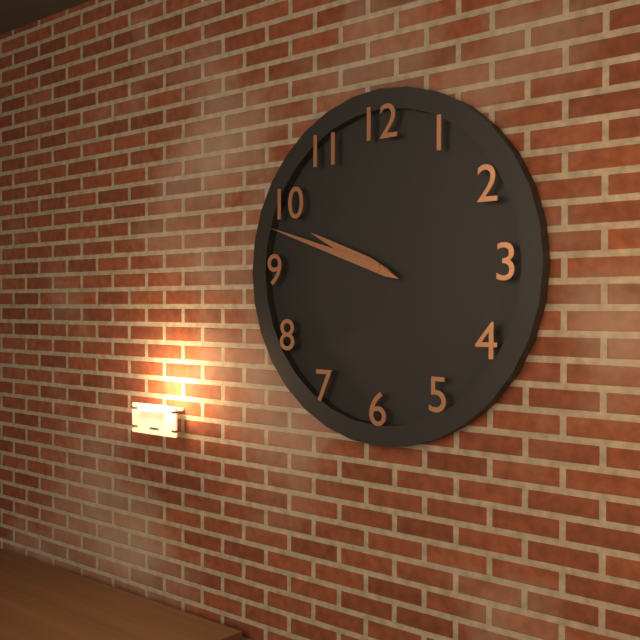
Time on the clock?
9:48
